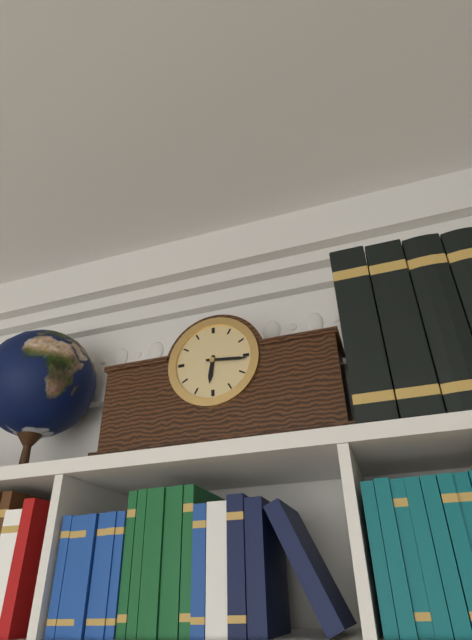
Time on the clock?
6:16
